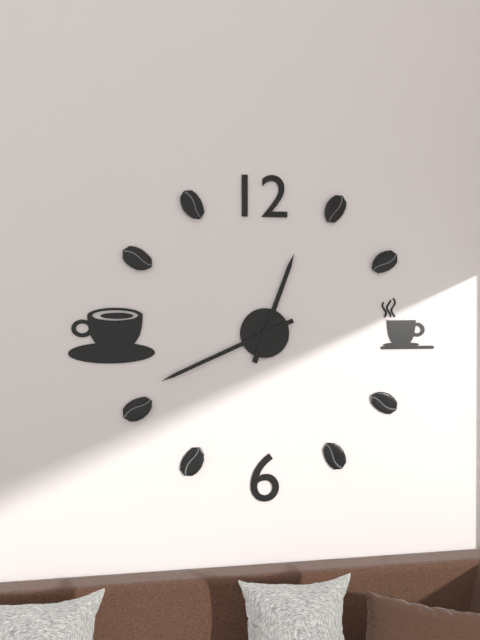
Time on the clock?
12:41
